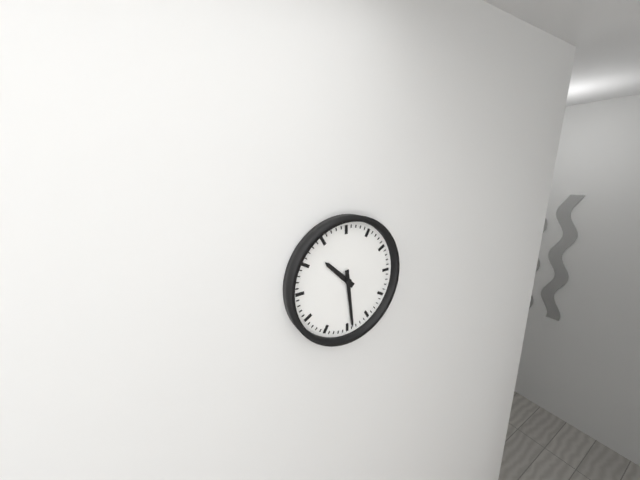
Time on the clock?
10:29
